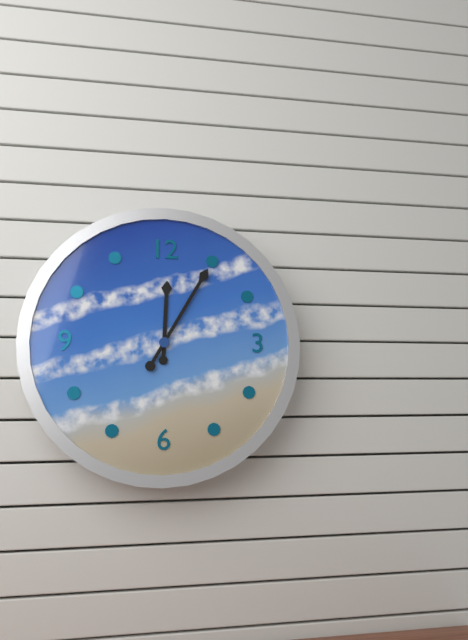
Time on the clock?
12:05
